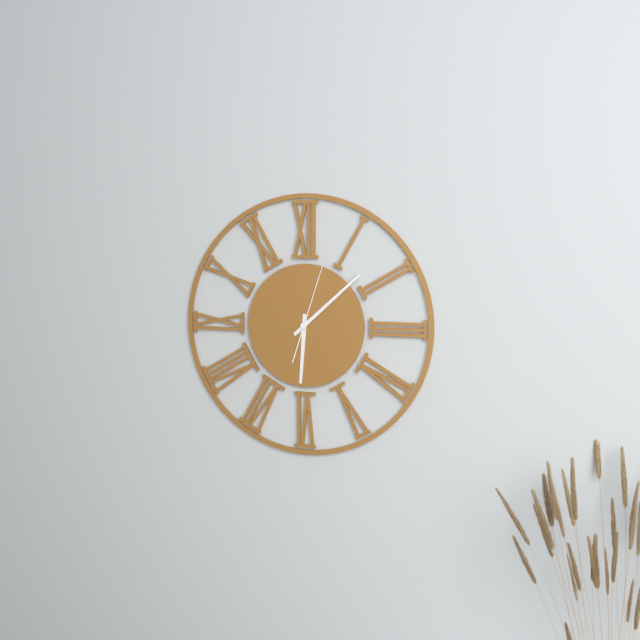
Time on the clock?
6:08:03
